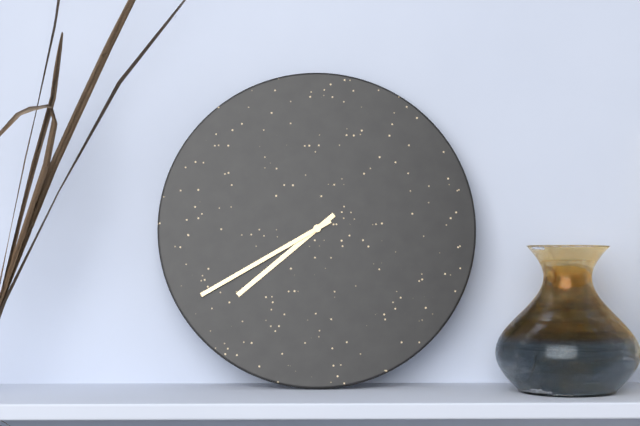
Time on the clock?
7:40
